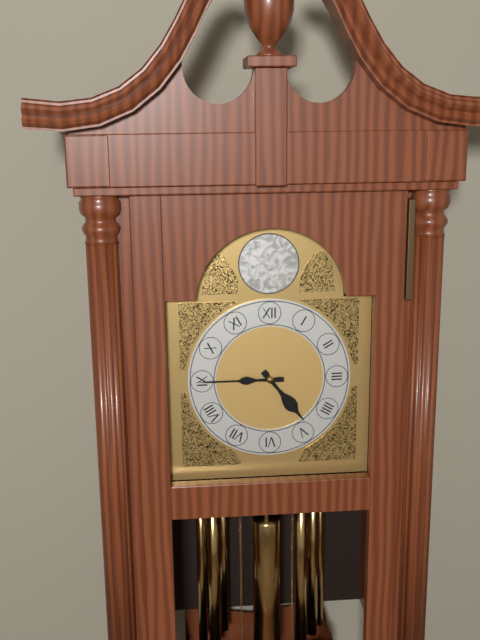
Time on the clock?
4:45
